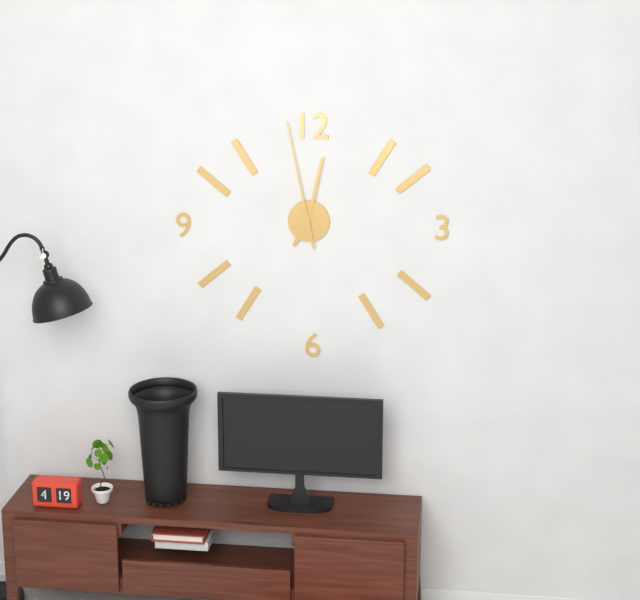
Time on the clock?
7:02:58
